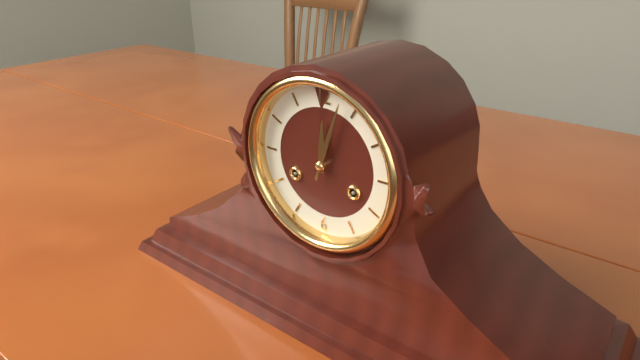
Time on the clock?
12:03
